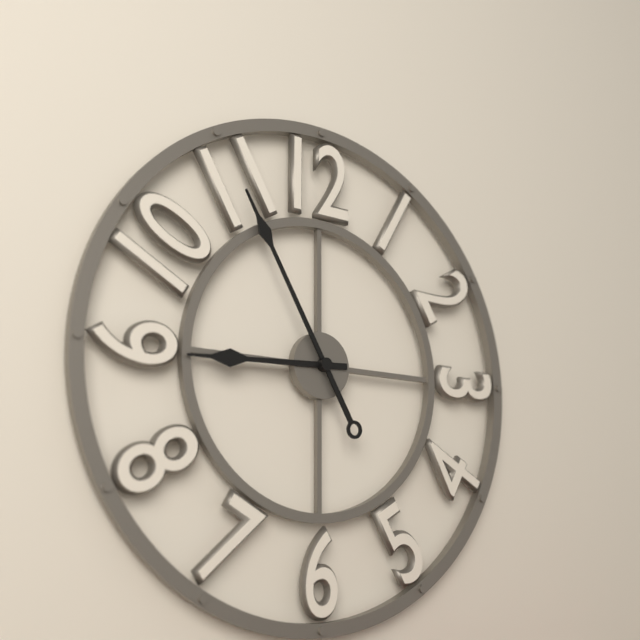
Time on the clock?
8:55
